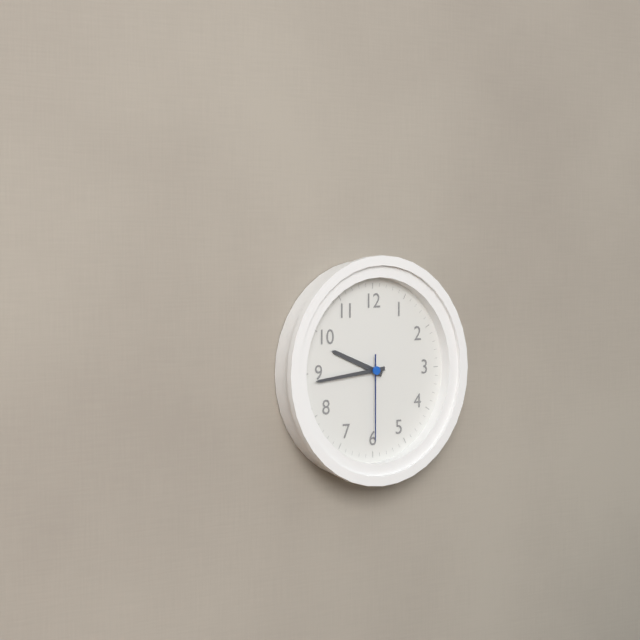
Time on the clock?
9:44:30
